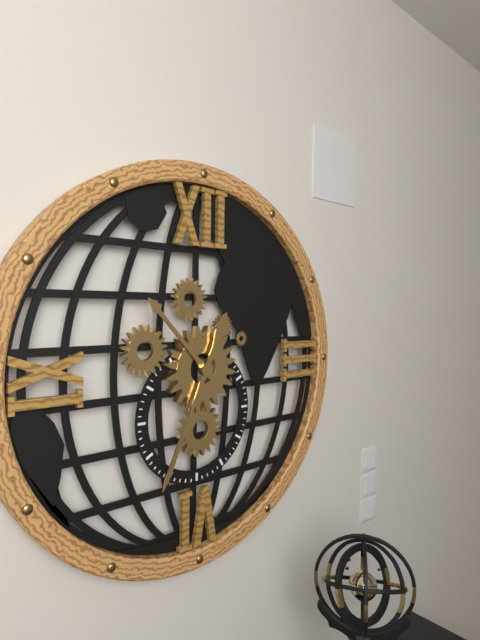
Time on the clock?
10:34
